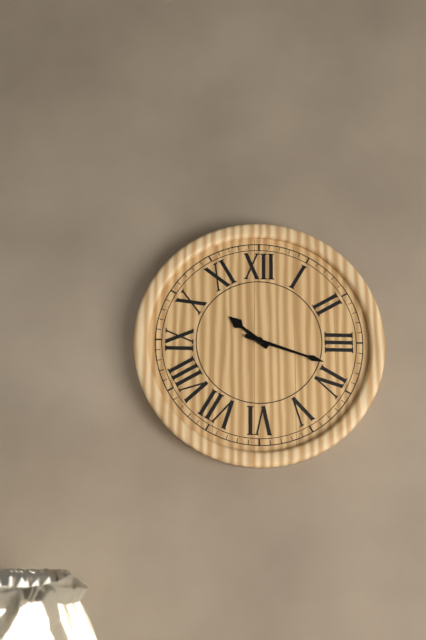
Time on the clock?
10:18
